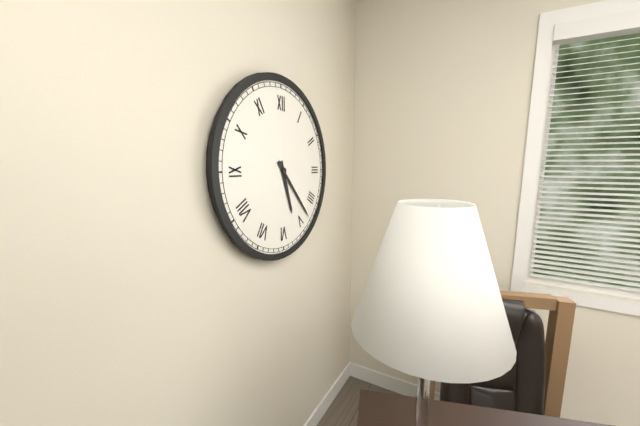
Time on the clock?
5:23
